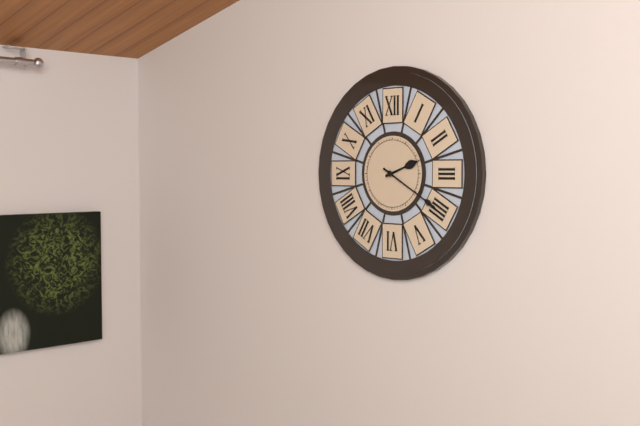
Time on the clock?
2:20
